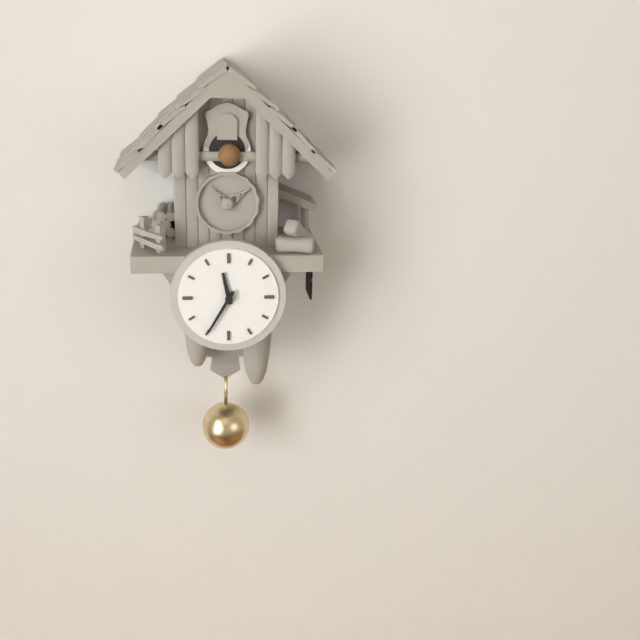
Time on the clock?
11:35
